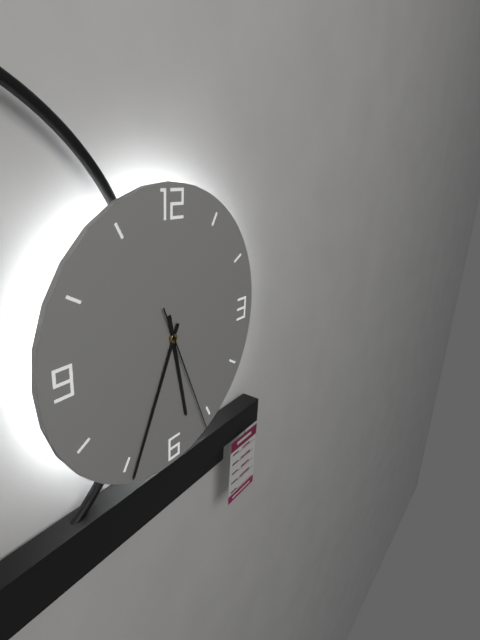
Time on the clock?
5:34:26
